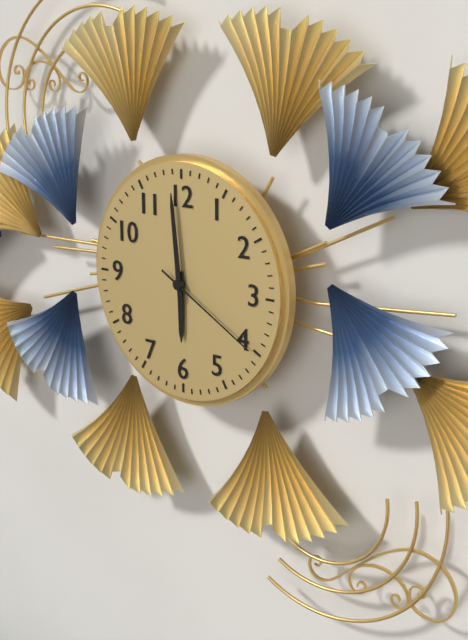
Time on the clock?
5:59:20
